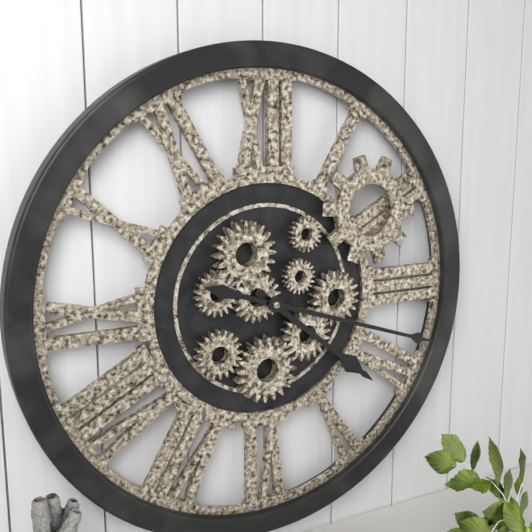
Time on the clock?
4:18
